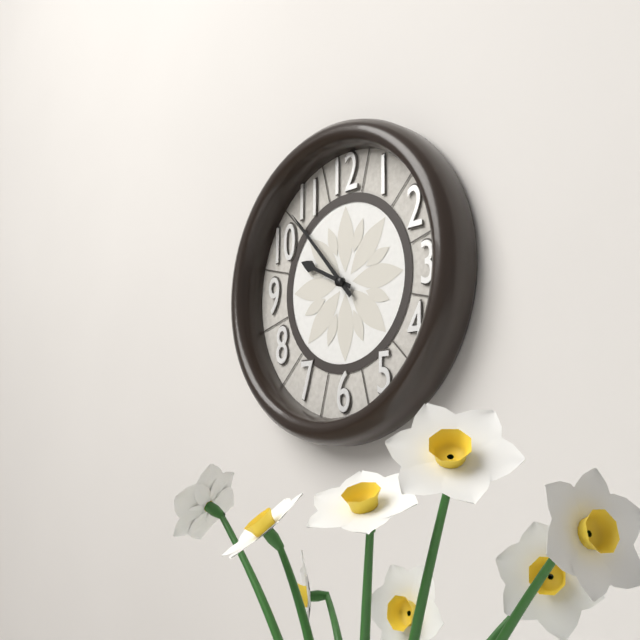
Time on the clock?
9:53
